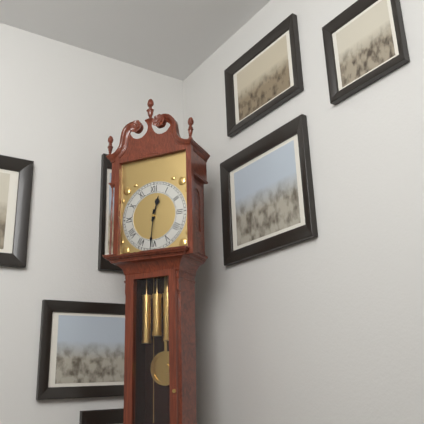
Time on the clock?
12:31
